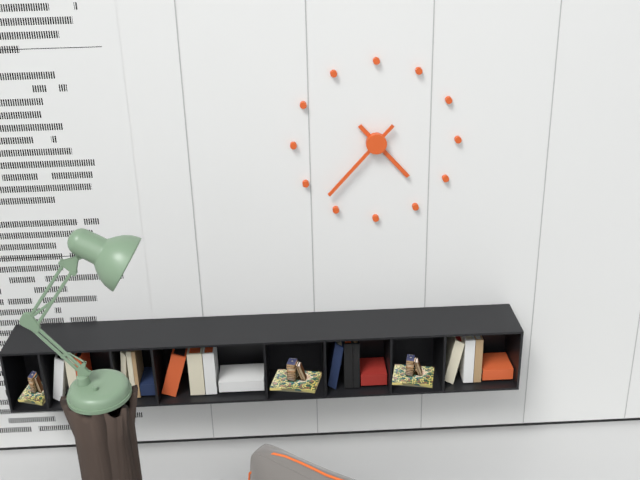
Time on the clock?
4:37
